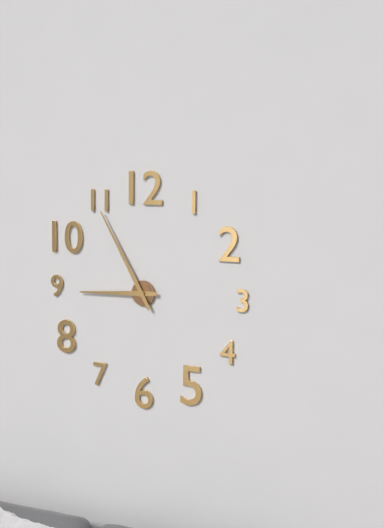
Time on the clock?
8:55
